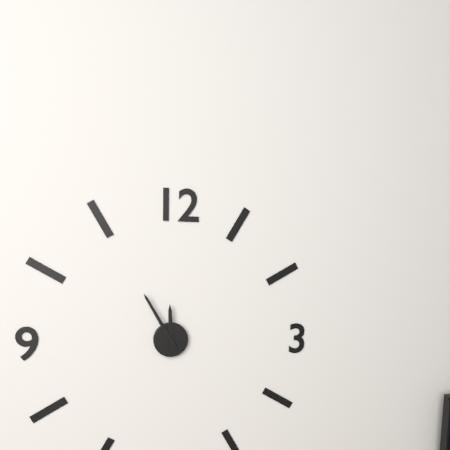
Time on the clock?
11:55
